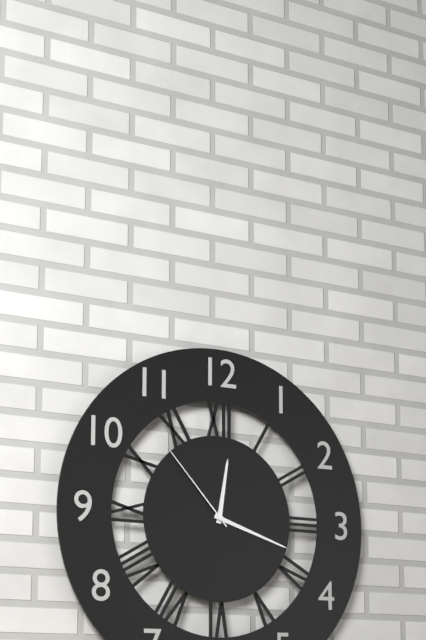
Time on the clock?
12:18:53
